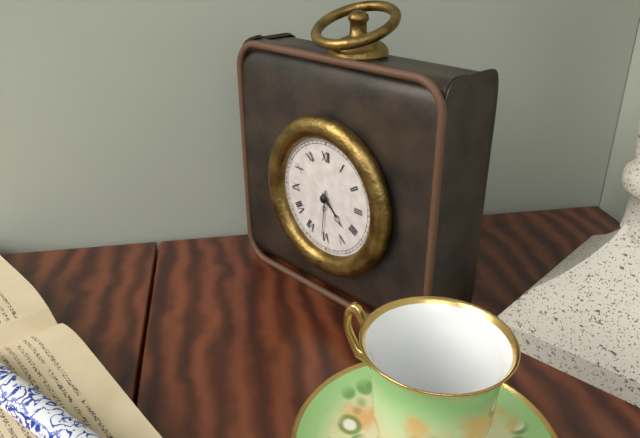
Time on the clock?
4:31
